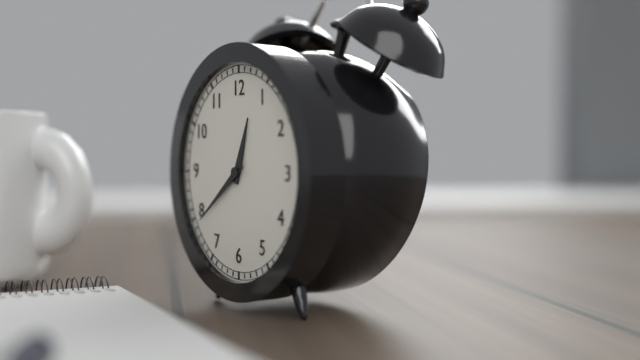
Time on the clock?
12:39
